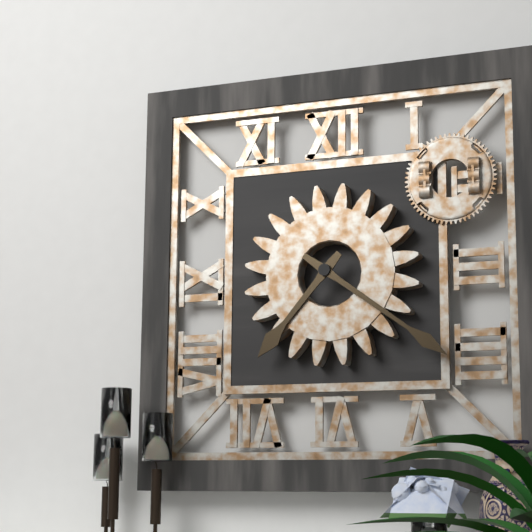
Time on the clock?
7:21
